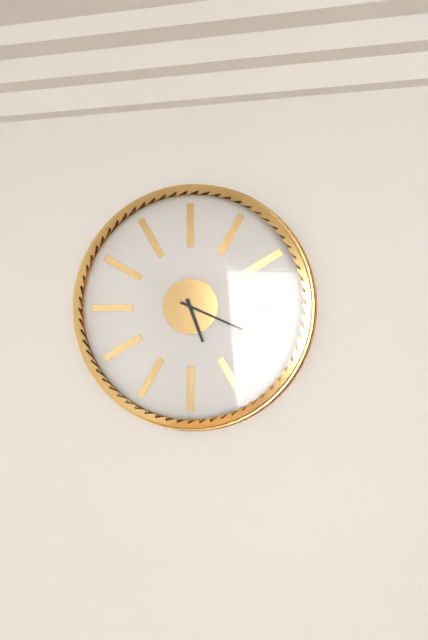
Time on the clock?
5:19
